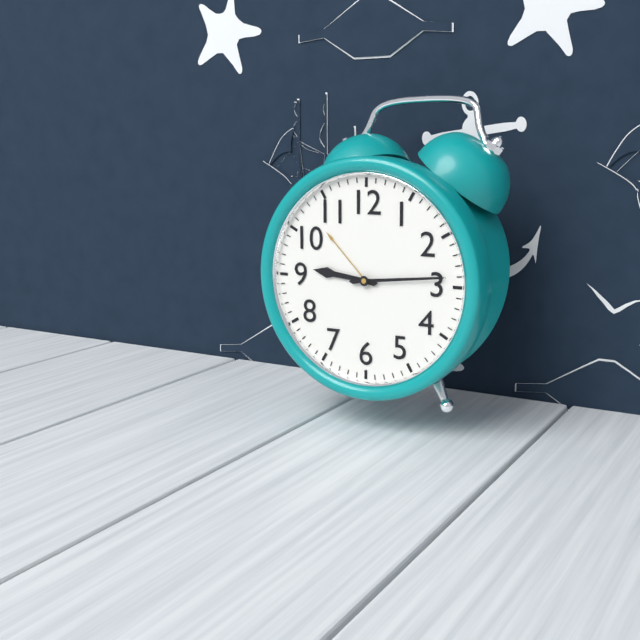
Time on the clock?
9:14
